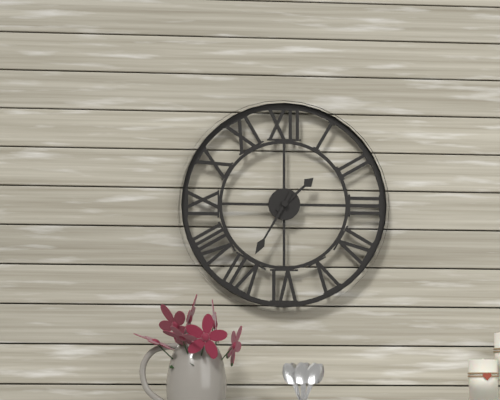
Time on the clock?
1:35
